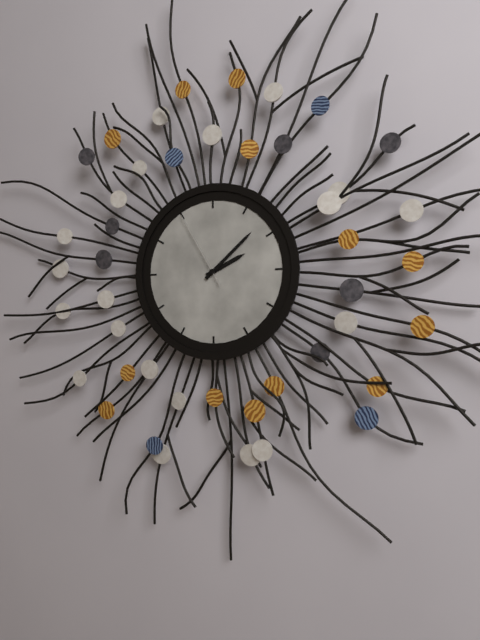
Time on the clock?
2:08:55
